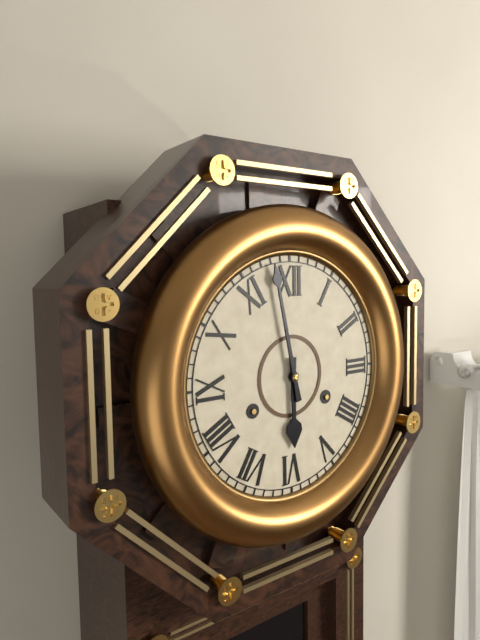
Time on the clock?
5:58
